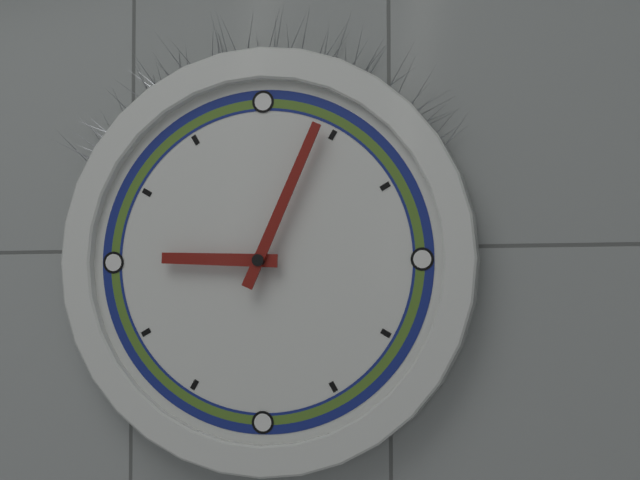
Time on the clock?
9:04
